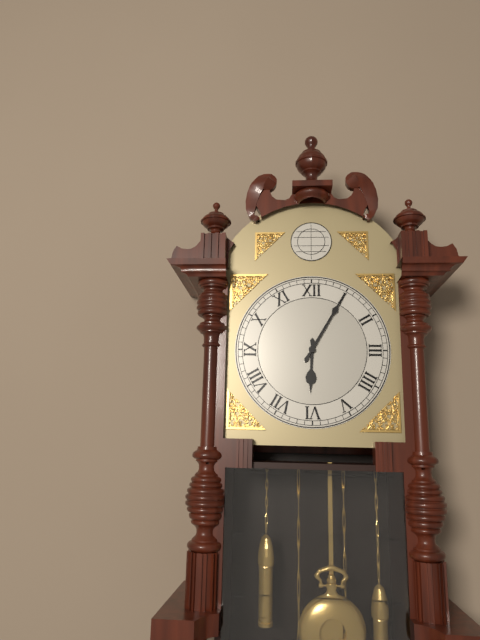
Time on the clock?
6:05
